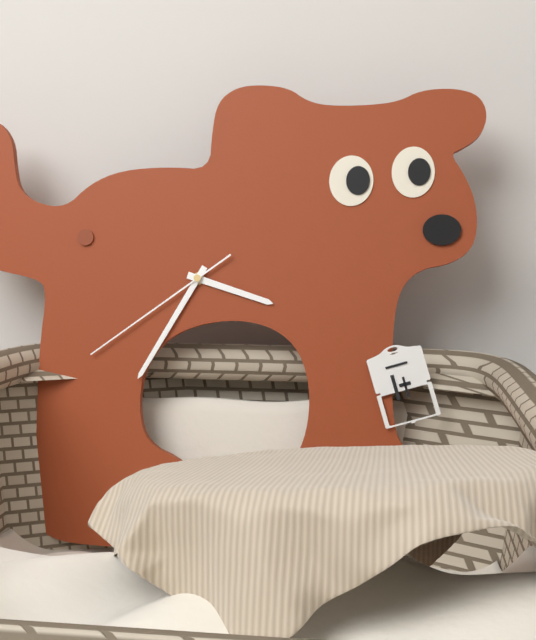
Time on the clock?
3:35:39
